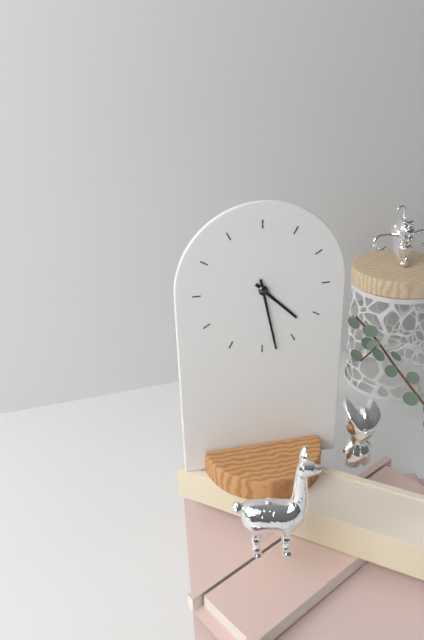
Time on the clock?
4:28
